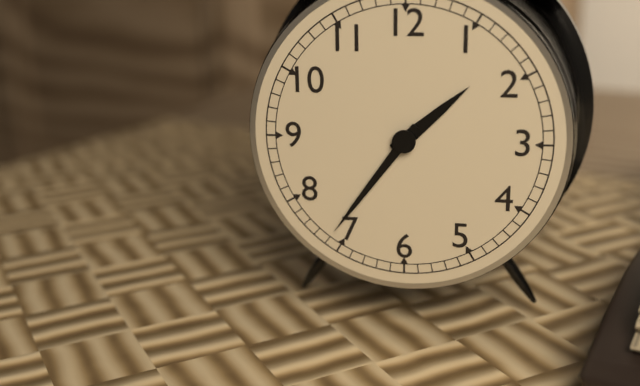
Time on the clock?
1:36
